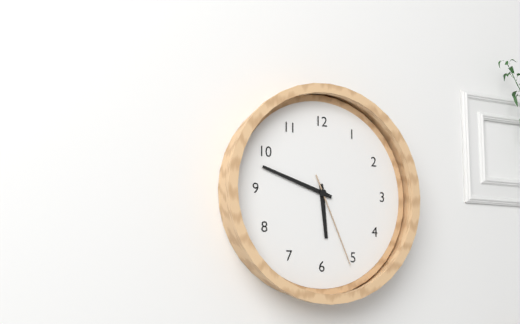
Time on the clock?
5:48:26
